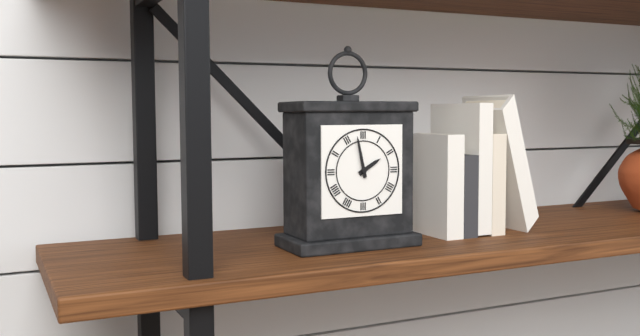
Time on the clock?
1:58
